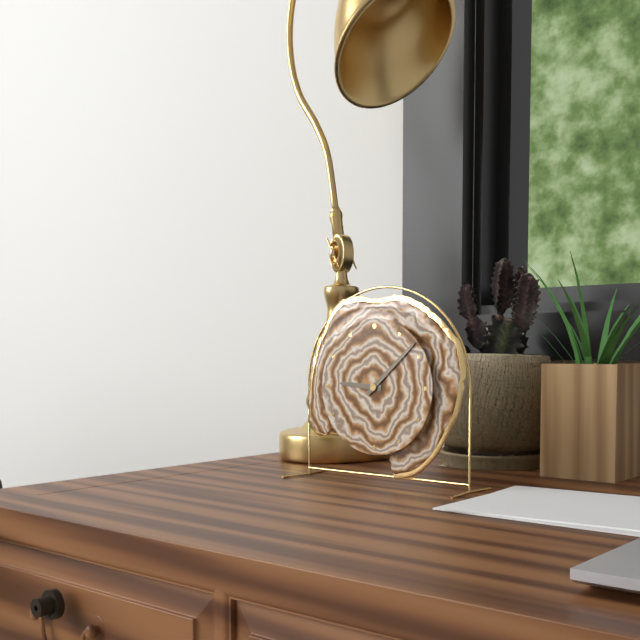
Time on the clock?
9:08
